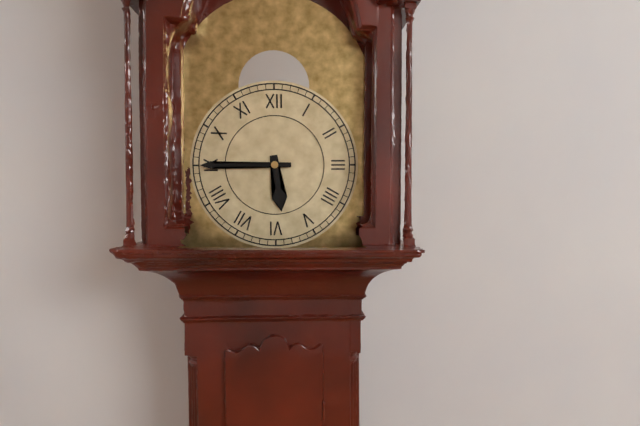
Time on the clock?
5:45
